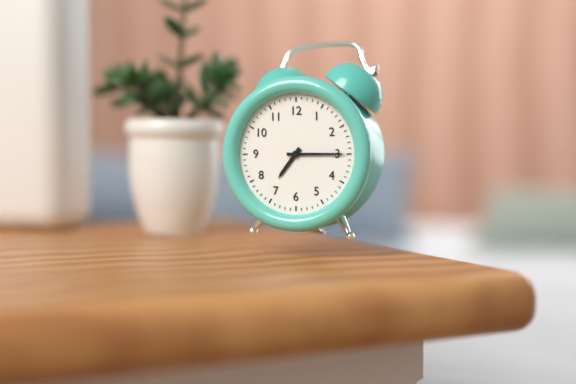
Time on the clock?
7:15
